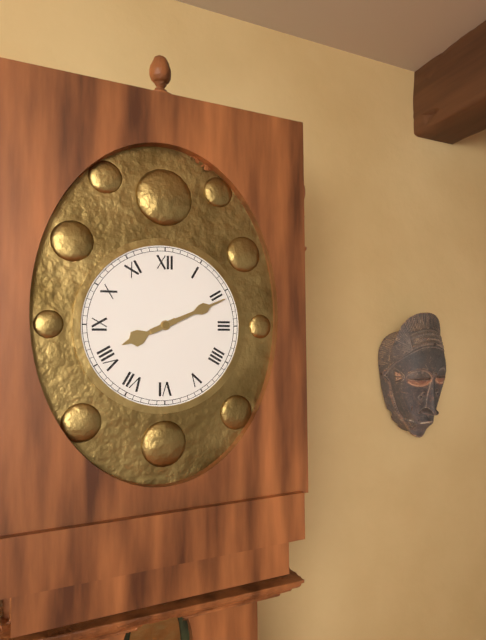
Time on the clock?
8:11
